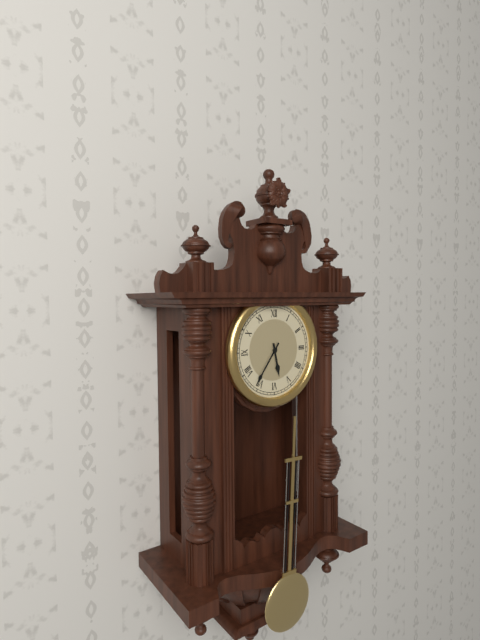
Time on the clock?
5:36
